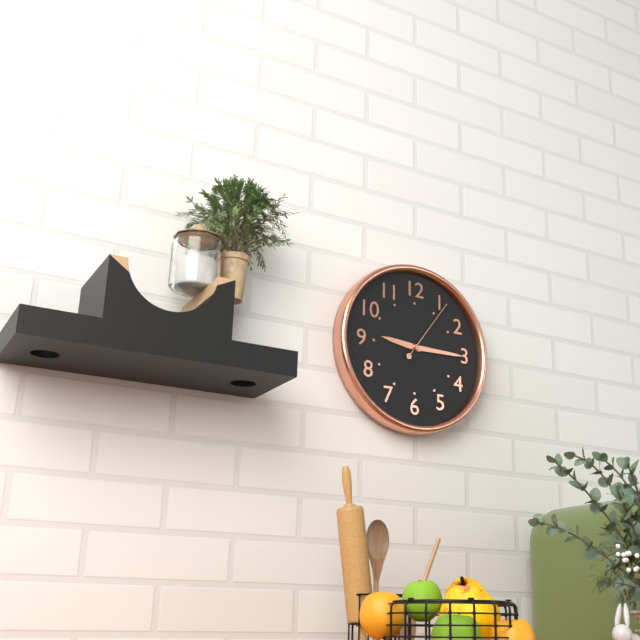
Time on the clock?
9:15:06
